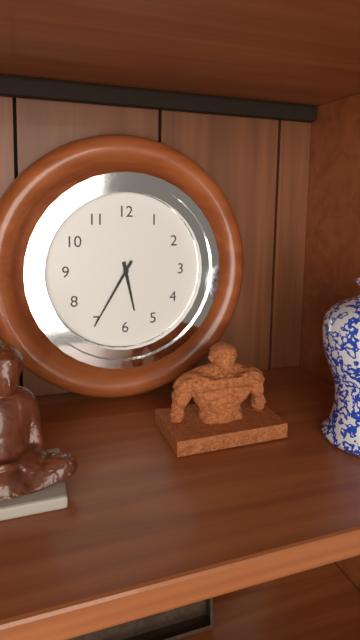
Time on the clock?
5:35
